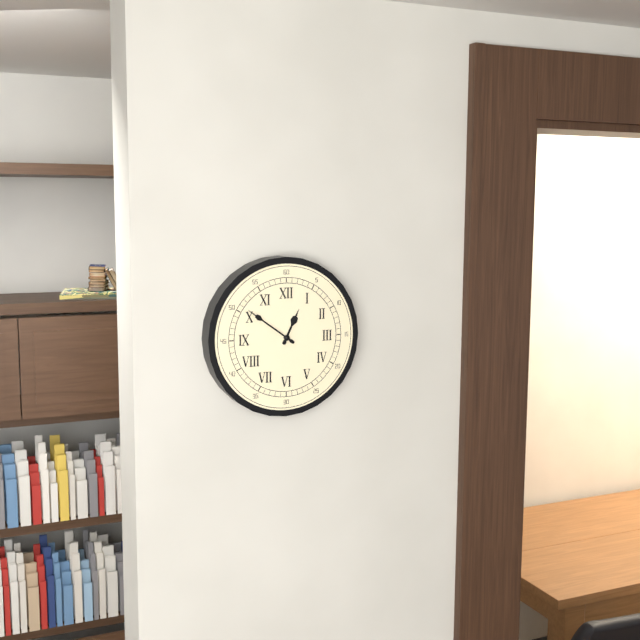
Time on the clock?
12:51
